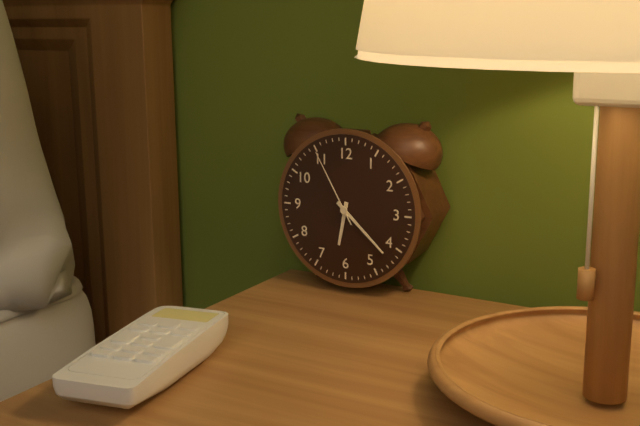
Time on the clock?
6:22:55
